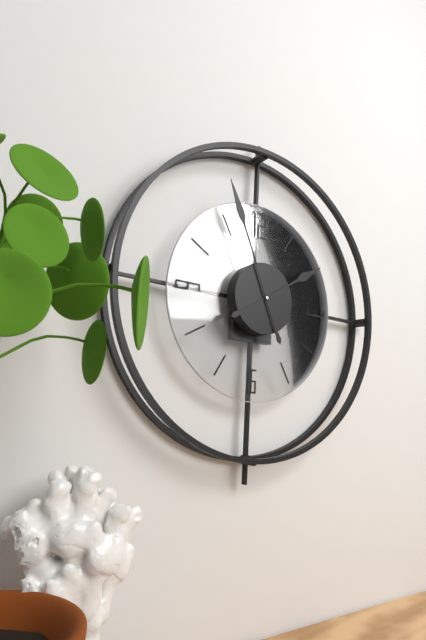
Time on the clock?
1:56
